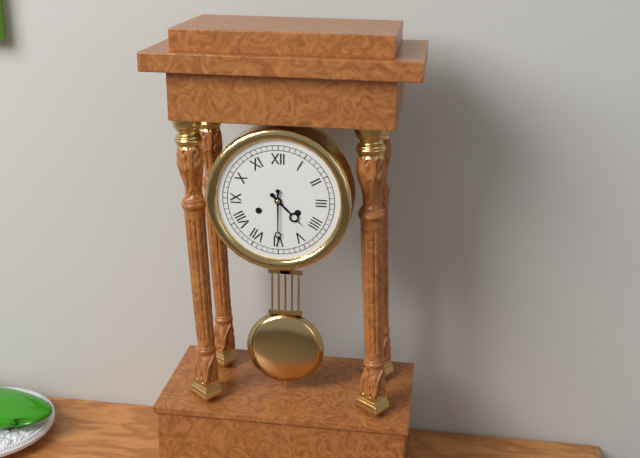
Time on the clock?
4:30
